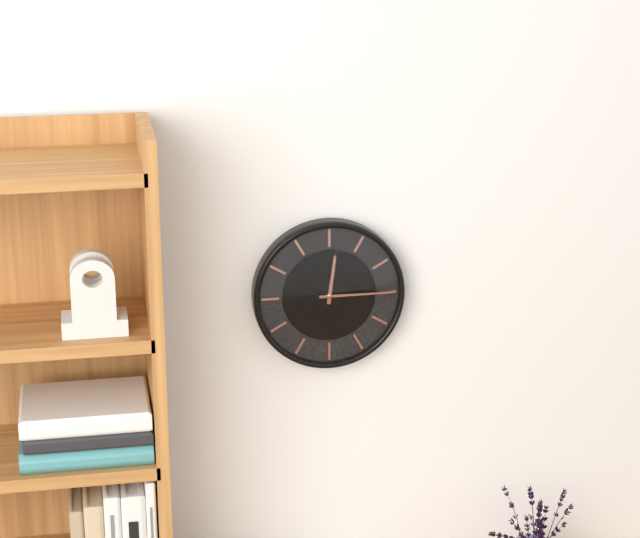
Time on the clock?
12:15
